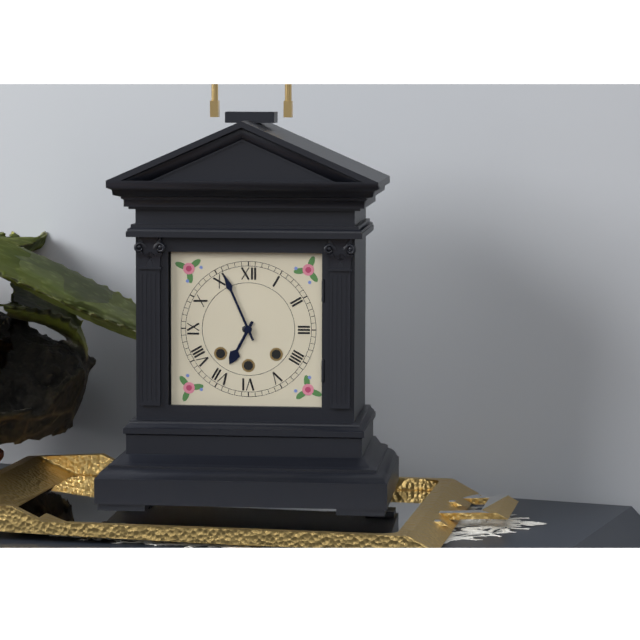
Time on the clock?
6:56
